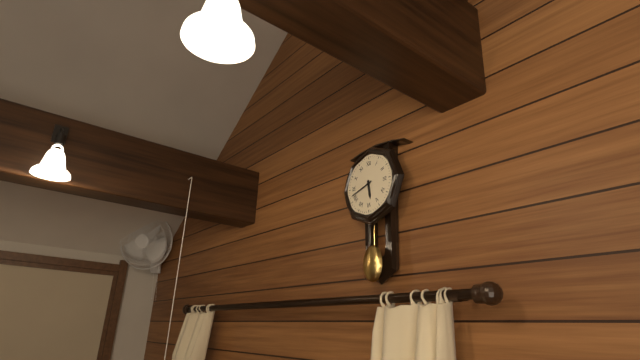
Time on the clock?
5:42
